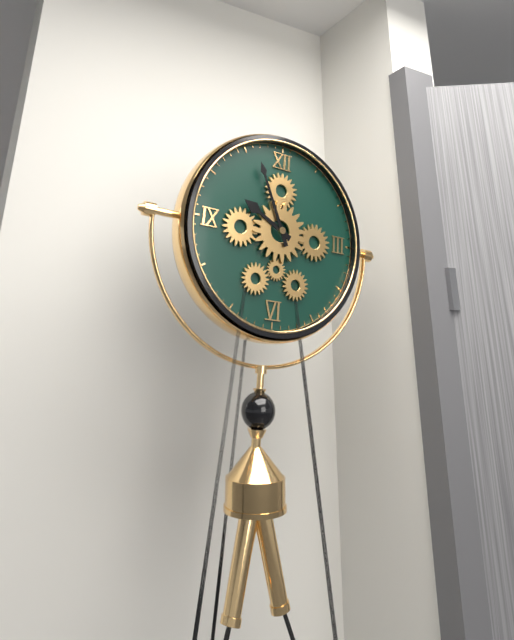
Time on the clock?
9:56
